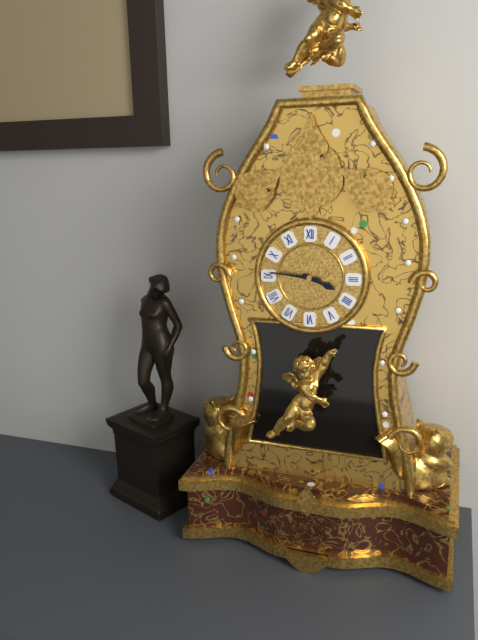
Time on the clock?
3:46
